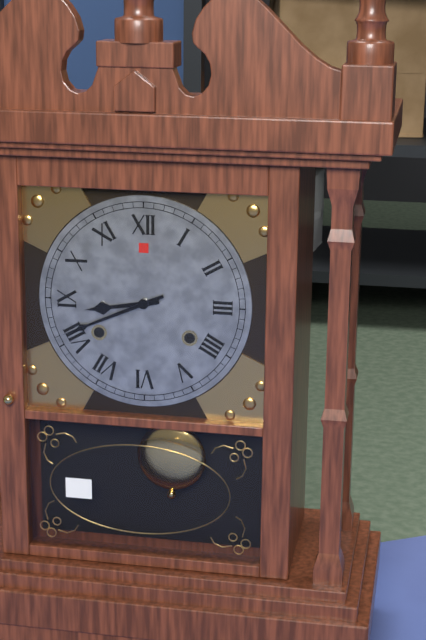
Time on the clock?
8:41
